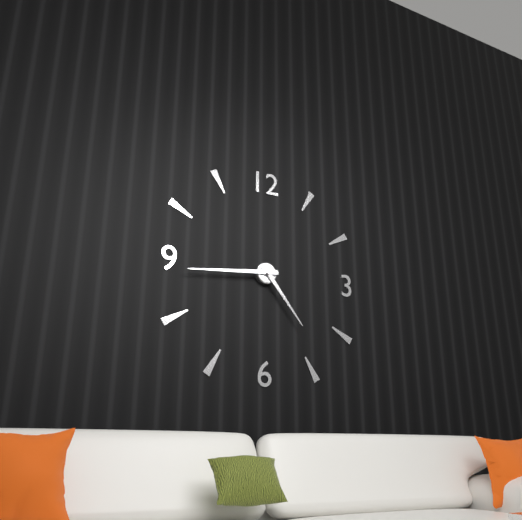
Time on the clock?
4:44
